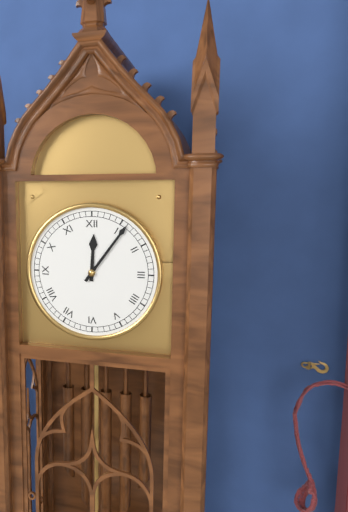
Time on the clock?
12:06
